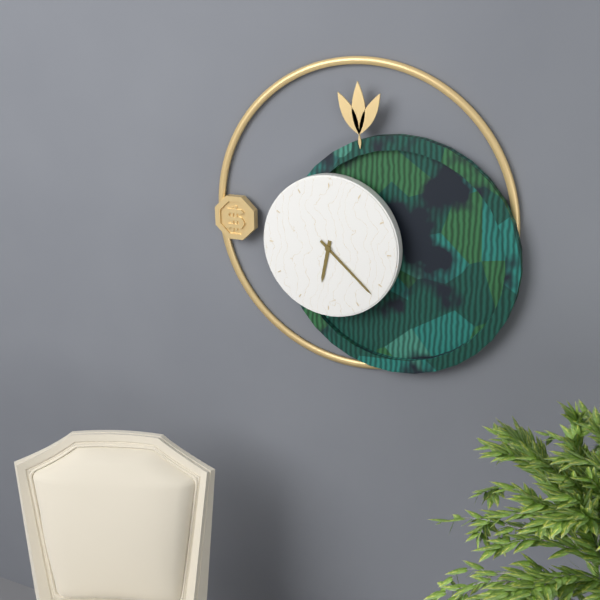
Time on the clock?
6:22
